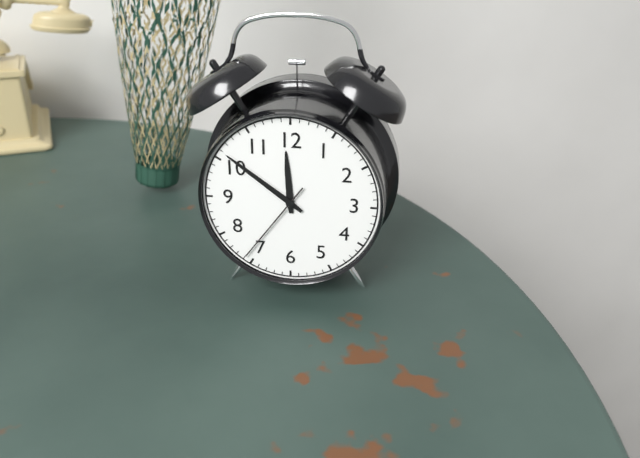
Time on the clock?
11:51:36
